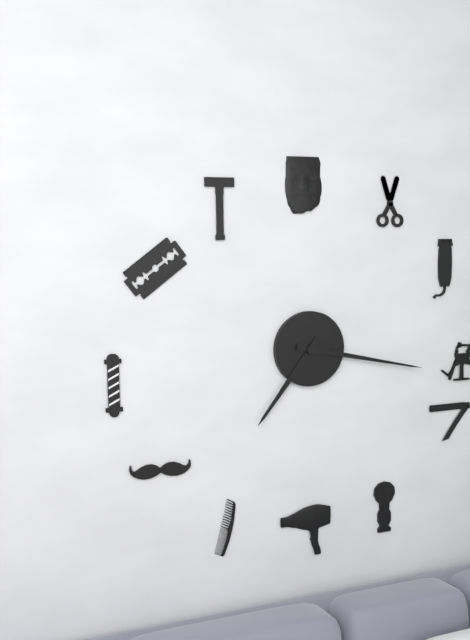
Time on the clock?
7:17
